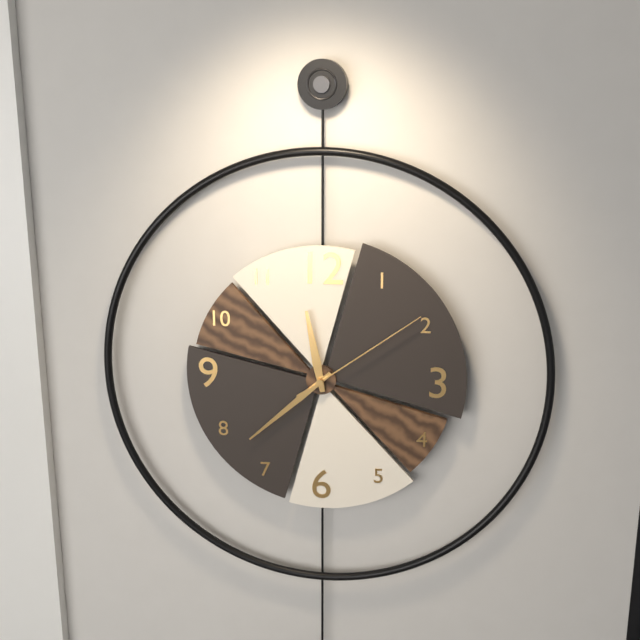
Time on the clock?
11:38:09
